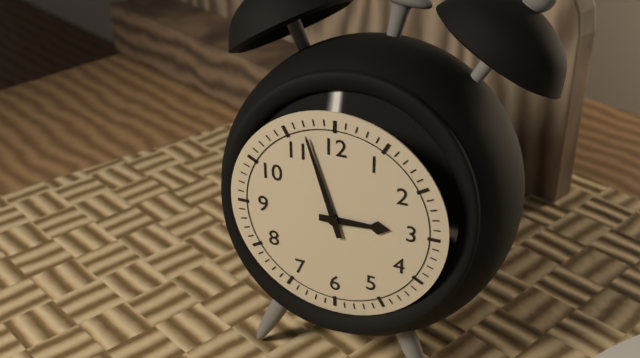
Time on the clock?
2:57
